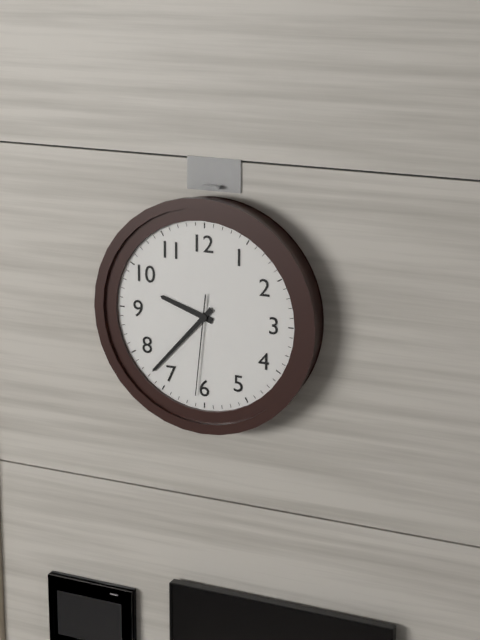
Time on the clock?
9:37:31
